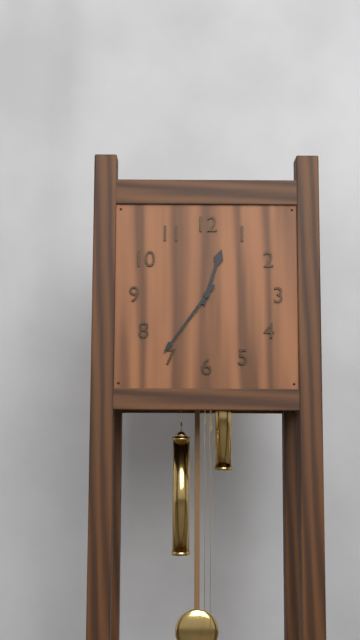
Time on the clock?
12:36
